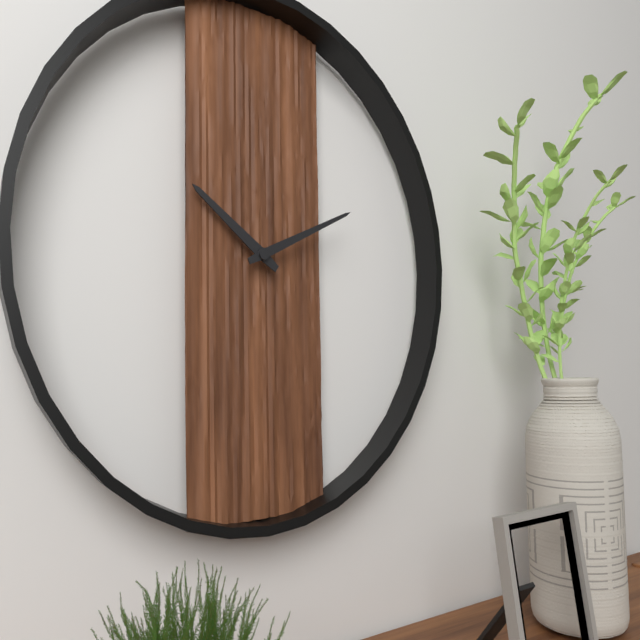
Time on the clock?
10:11
